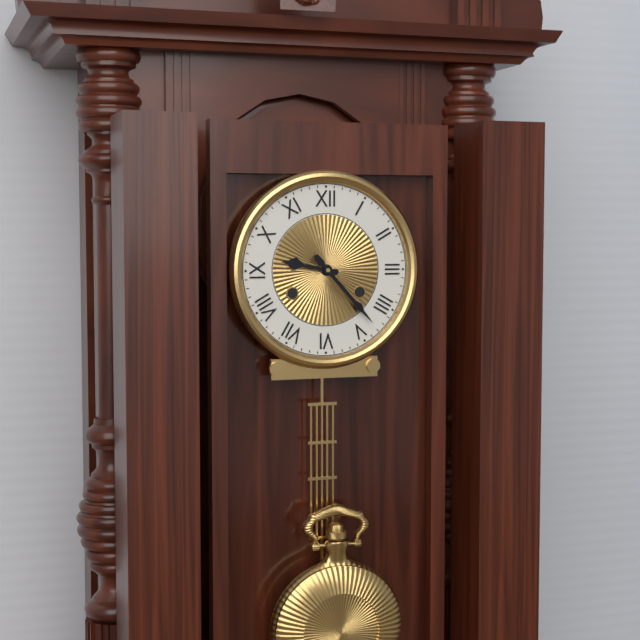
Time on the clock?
9:23
